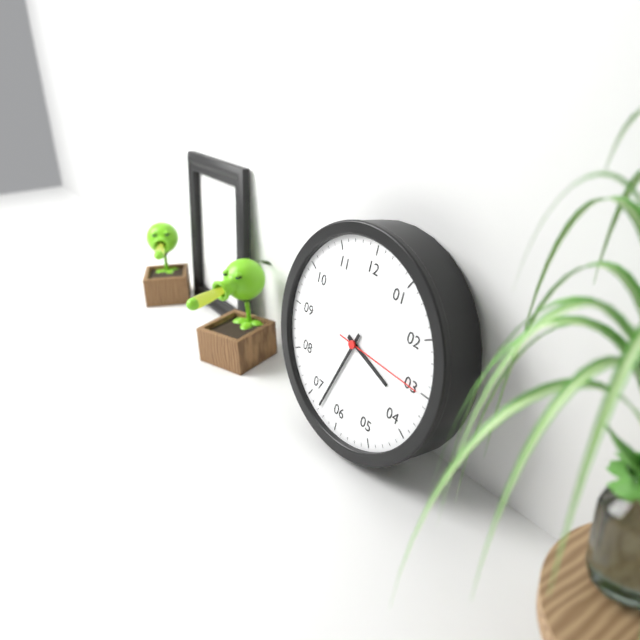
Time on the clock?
3:33:15
